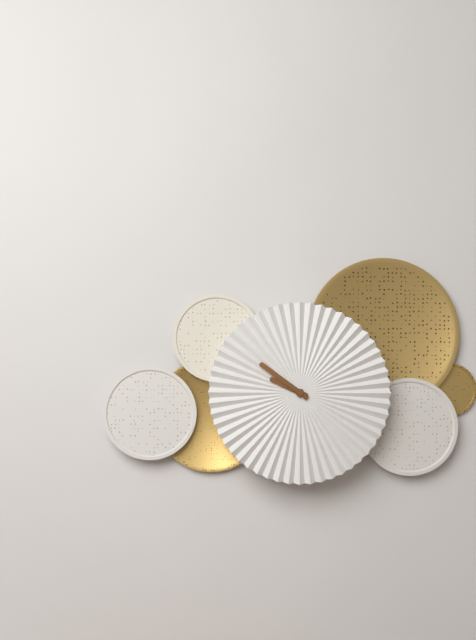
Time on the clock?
9:51
